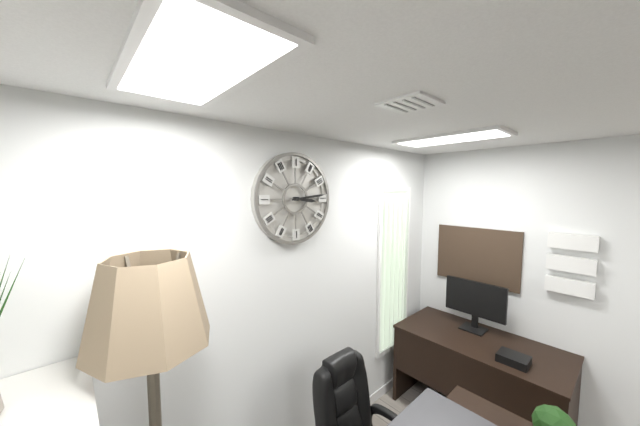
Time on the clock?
3:14
